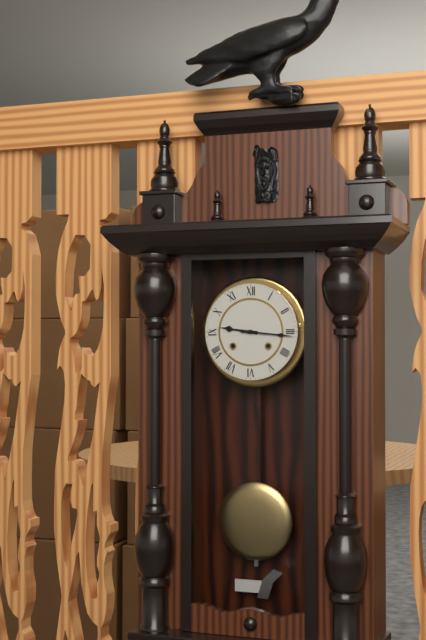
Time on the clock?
9:16
